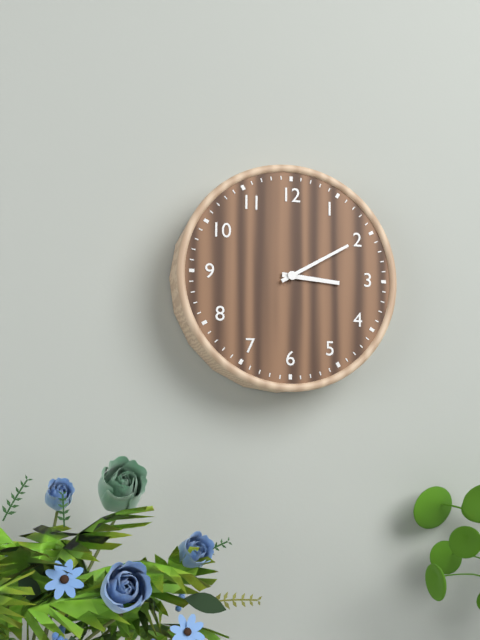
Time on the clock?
3:10
